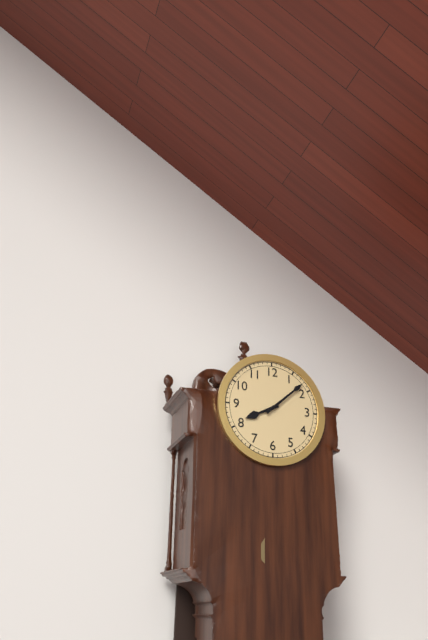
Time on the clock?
8:08
